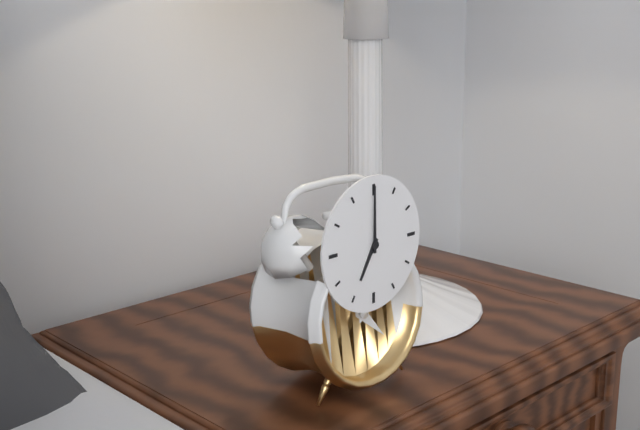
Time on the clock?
7:00
